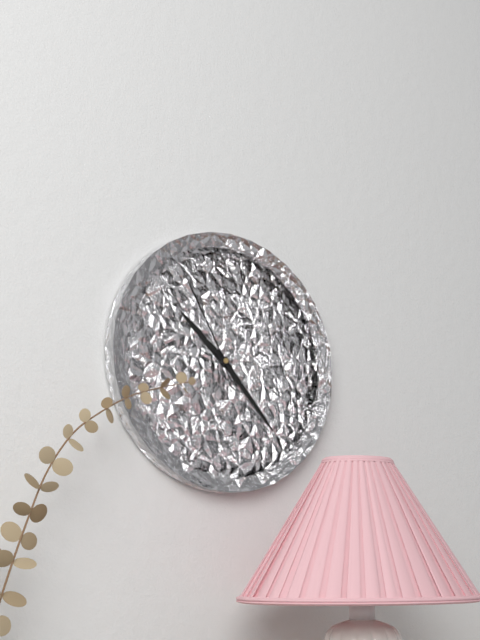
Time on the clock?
10:23:55
